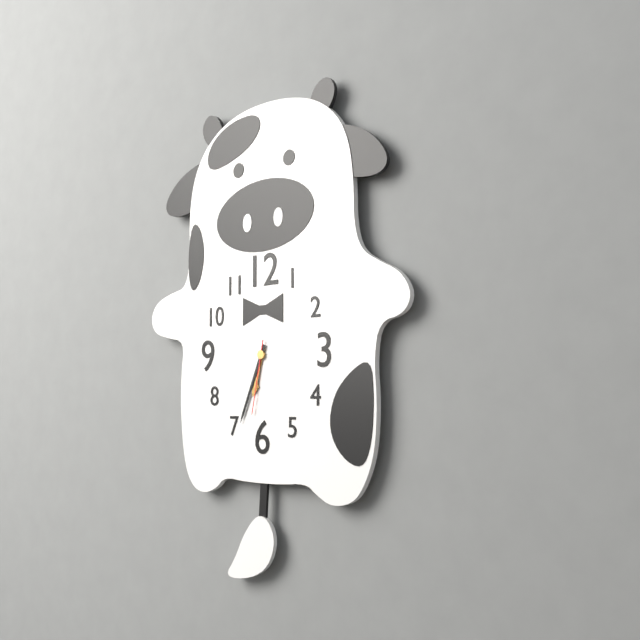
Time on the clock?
6:34:32
